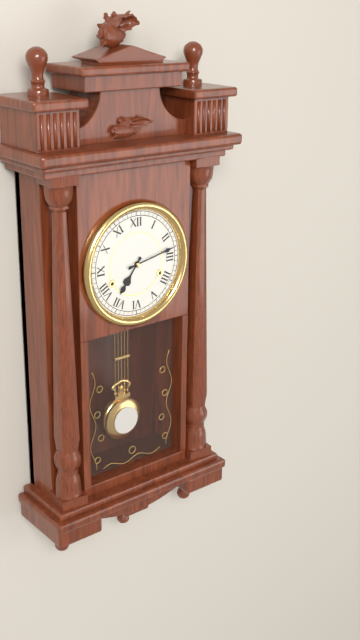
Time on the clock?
7:13
